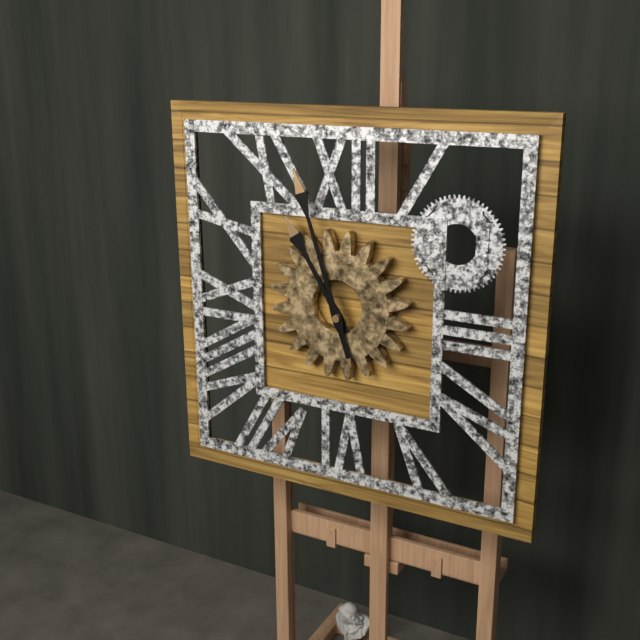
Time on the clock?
10:57
